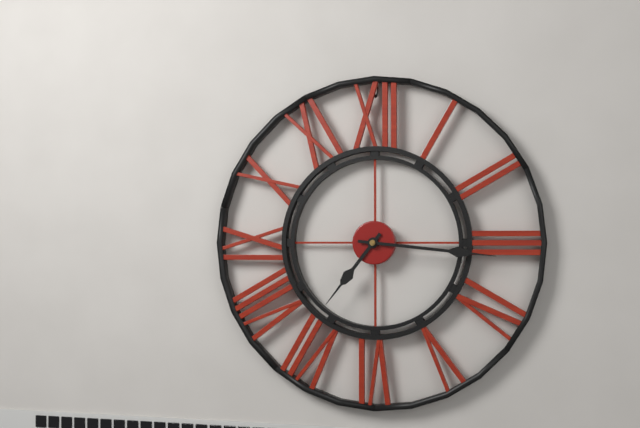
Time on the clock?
7:16
